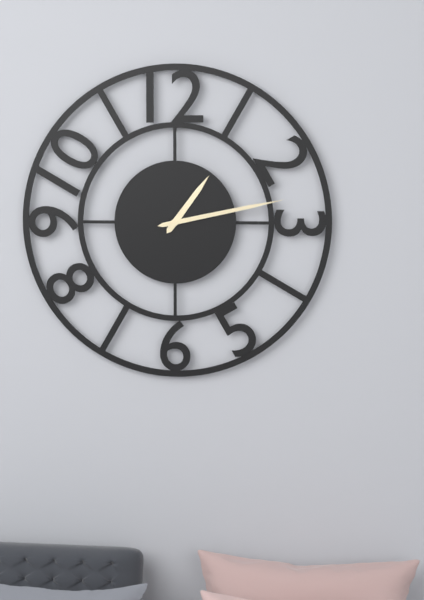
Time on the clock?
1:13
